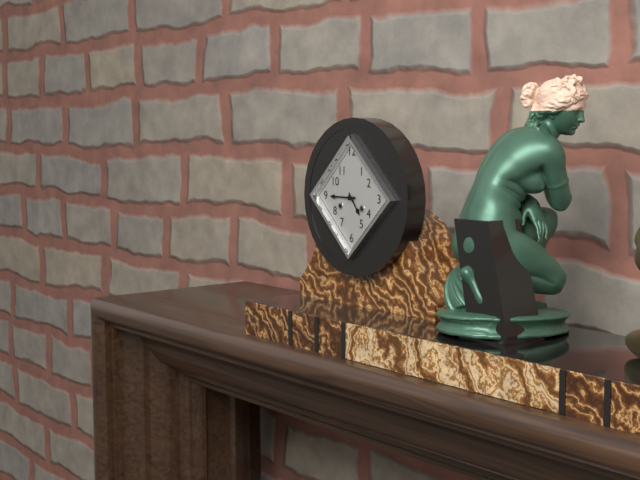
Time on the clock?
4:45
